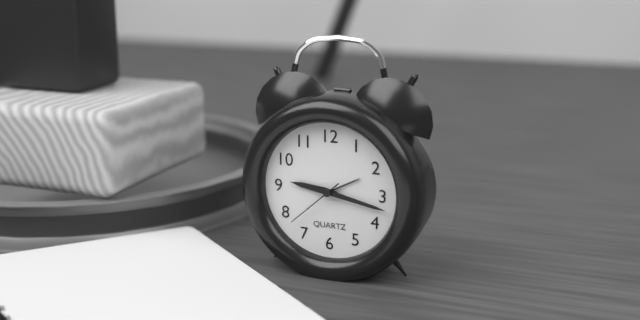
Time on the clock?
9:17:38
